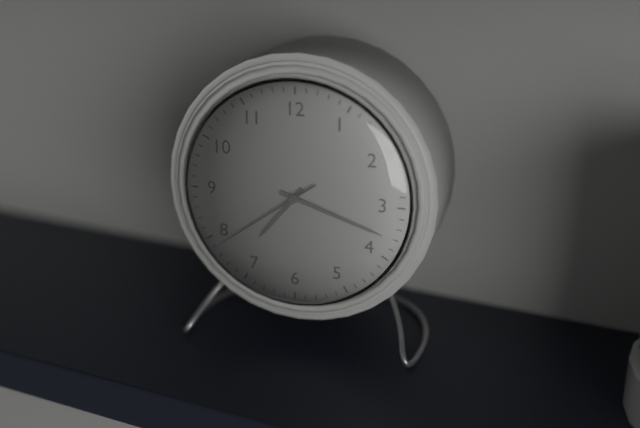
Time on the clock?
7:18:39
